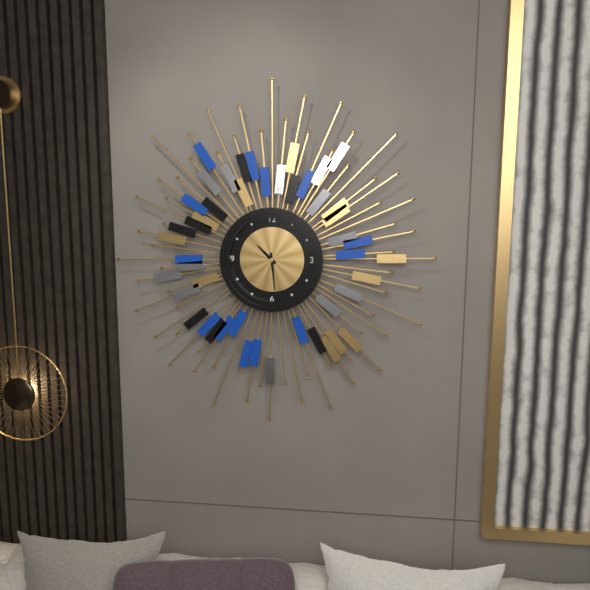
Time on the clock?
10:29
